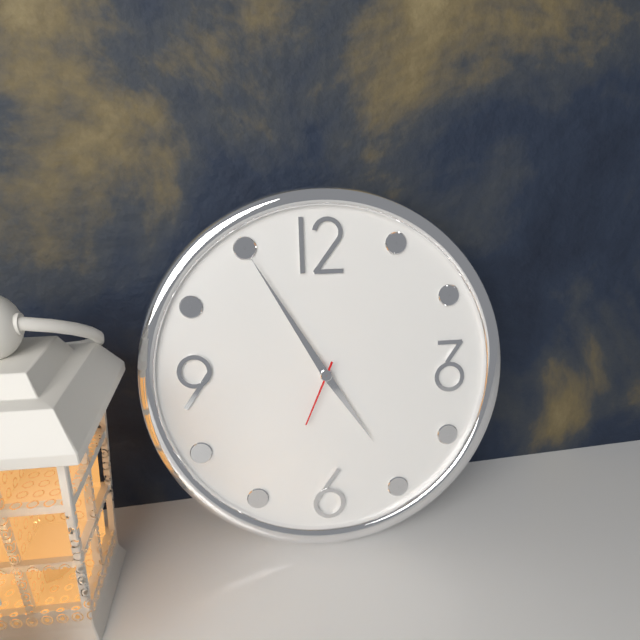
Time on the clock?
4:55:34
